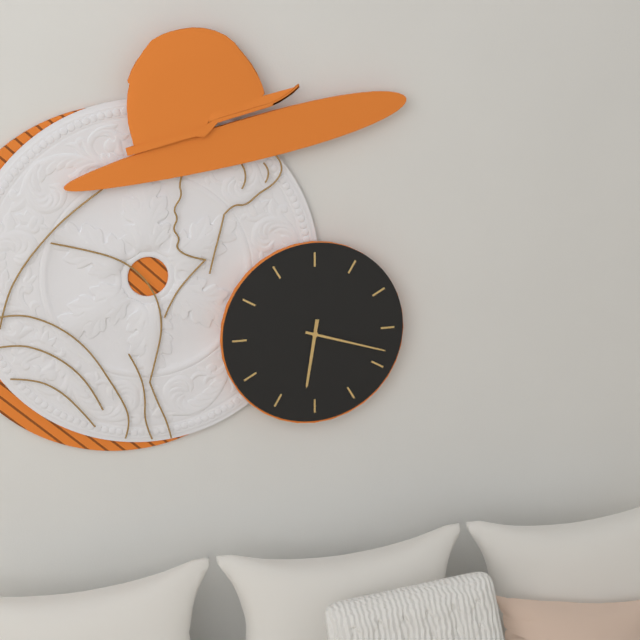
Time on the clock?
6:18
